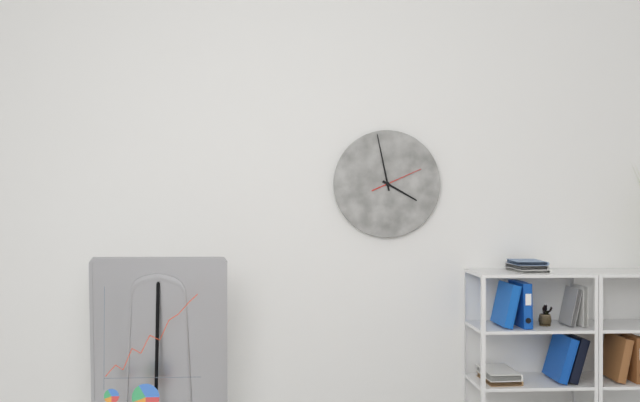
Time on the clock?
3:58
